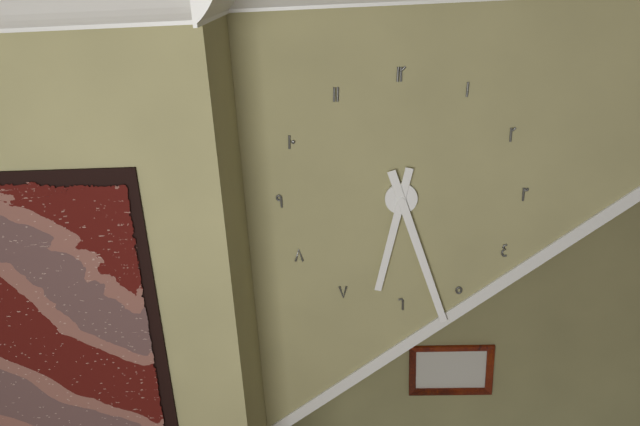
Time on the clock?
6:27
